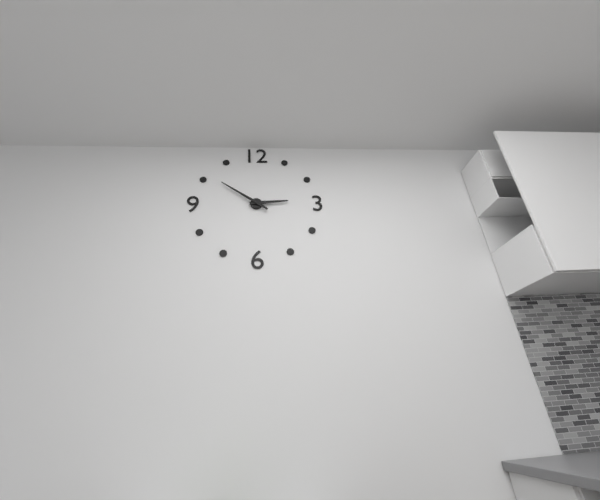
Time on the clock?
2:51
